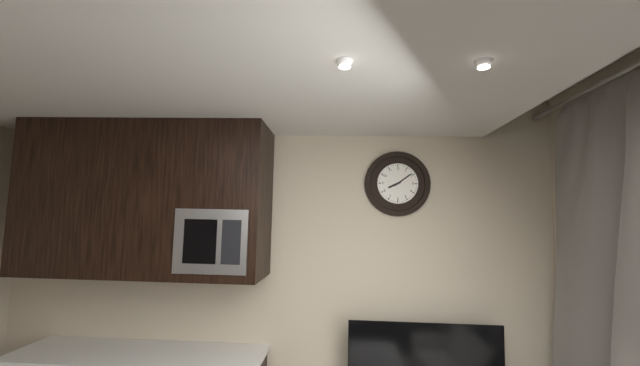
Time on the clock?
8:09
